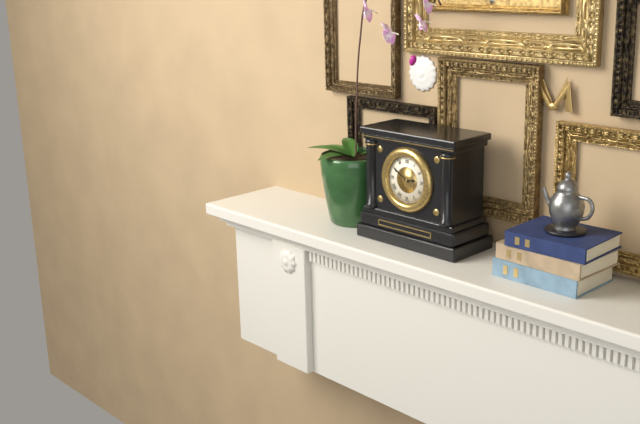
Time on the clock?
2:50
